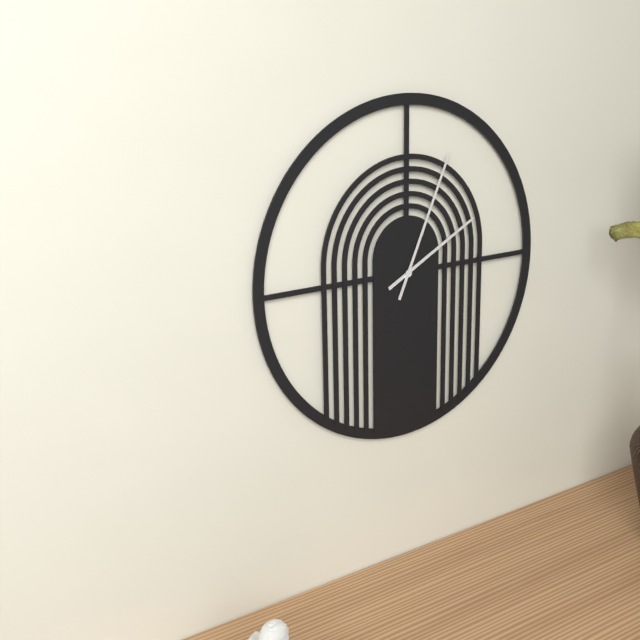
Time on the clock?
2:04
